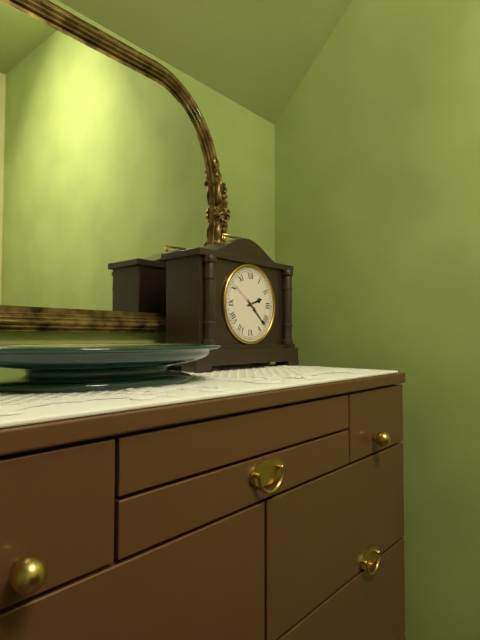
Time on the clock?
2:22
